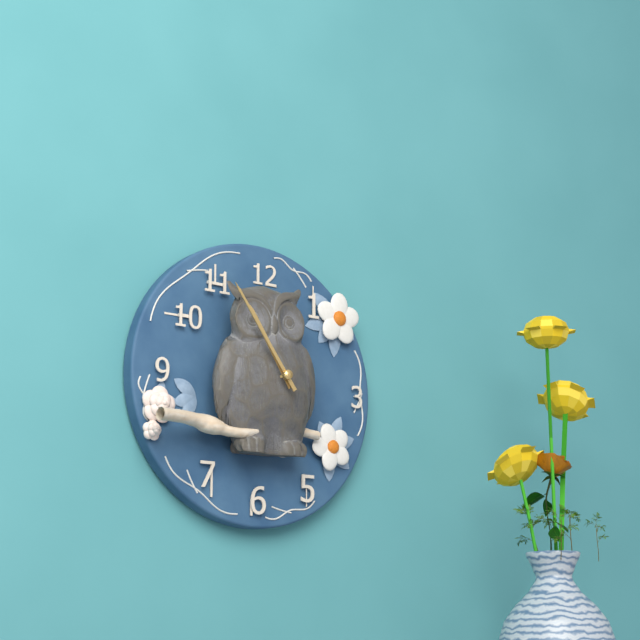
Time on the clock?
10:54
